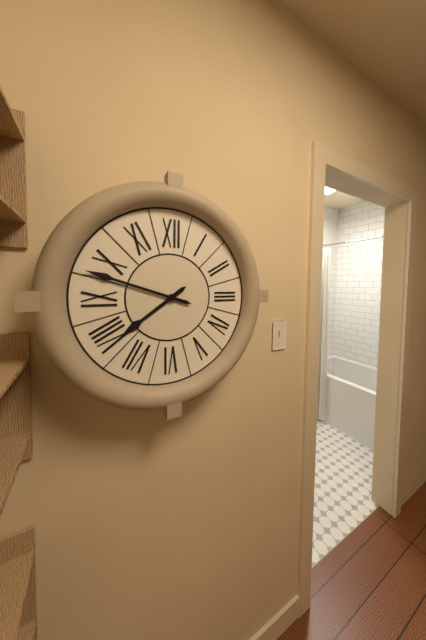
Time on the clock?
7:48
